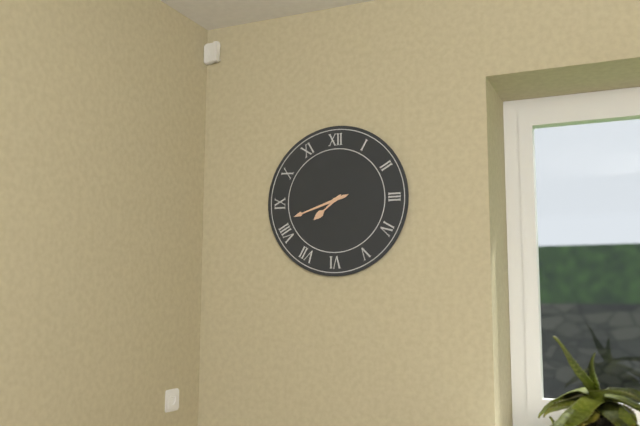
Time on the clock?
7:42
